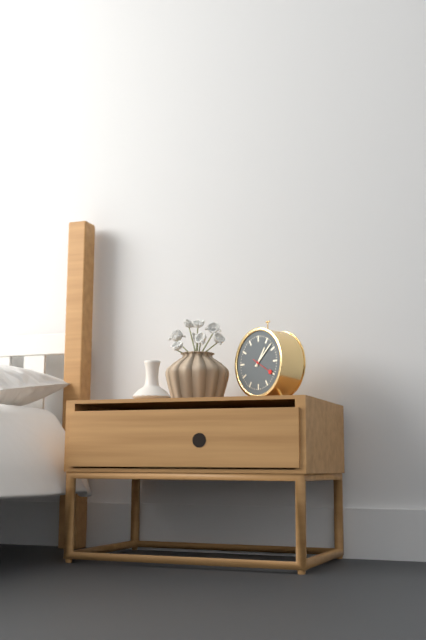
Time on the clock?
1:08
